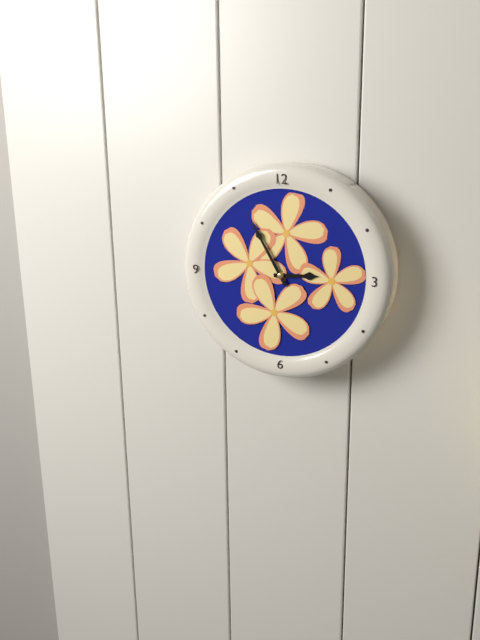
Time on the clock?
2:55
